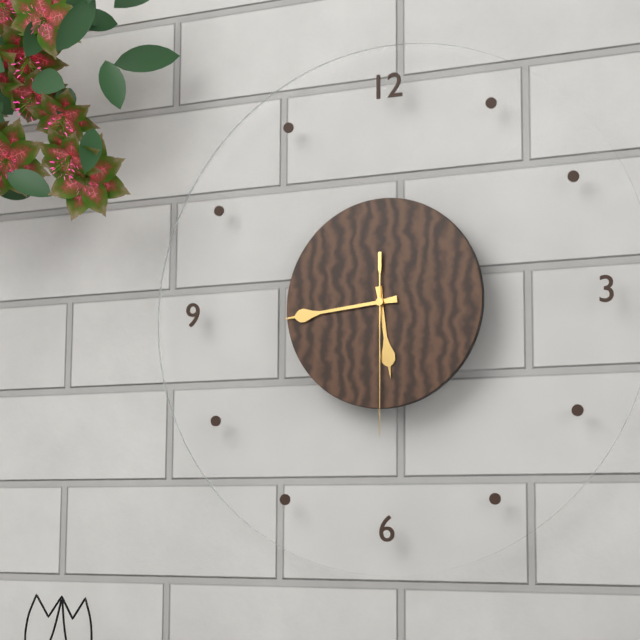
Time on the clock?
5:44:30
